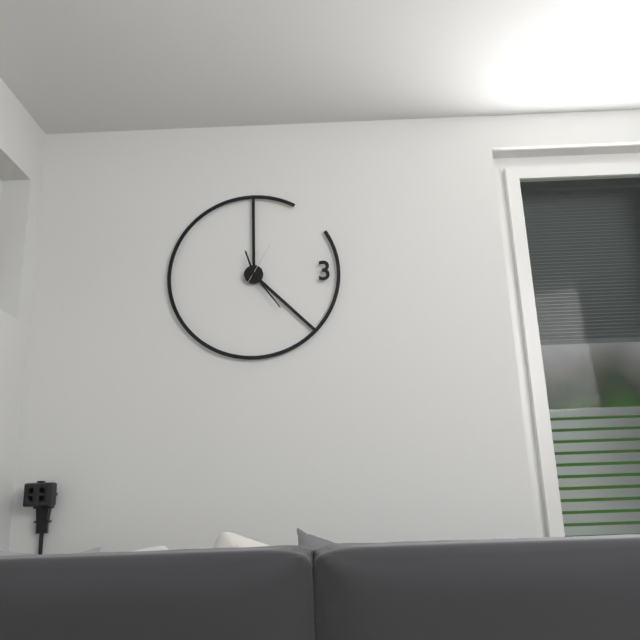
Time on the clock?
11:24
